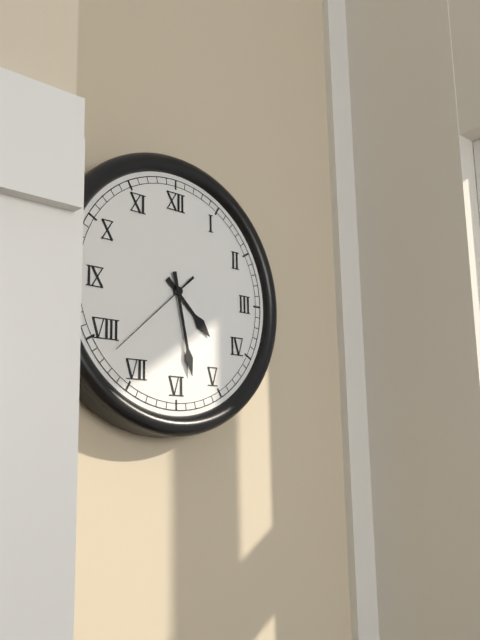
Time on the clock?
4:28:38
